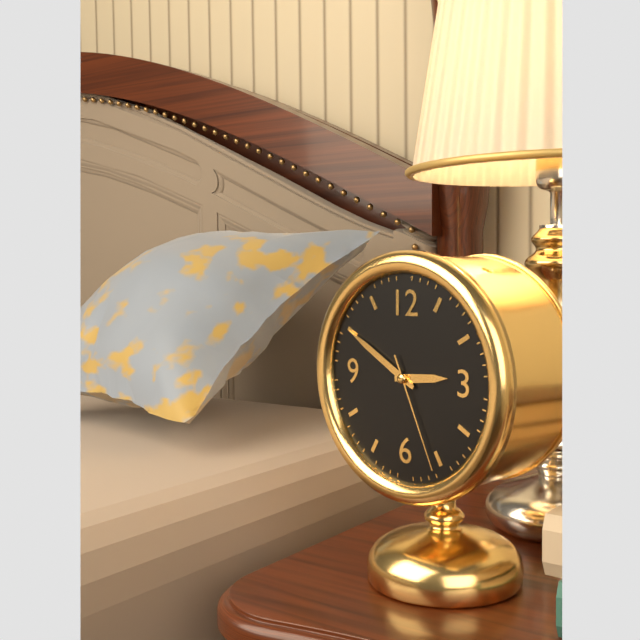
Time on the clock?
2:50:26
